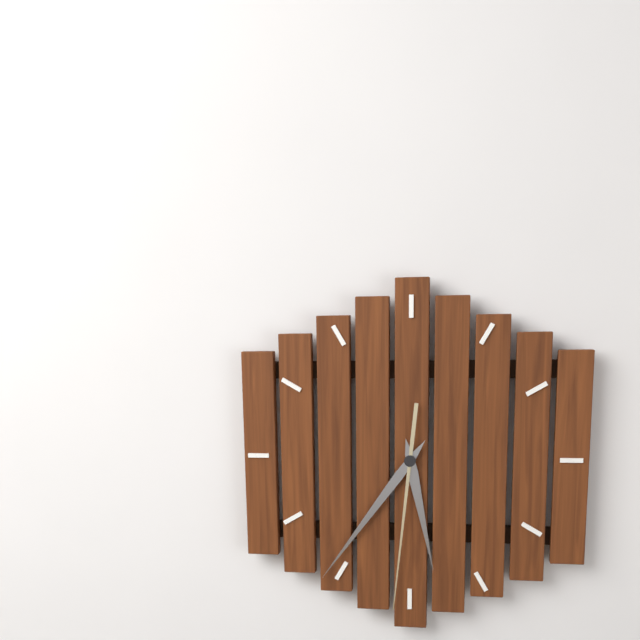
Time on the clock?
5:36:31
